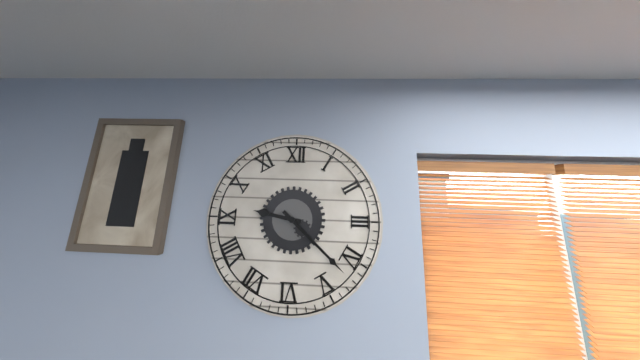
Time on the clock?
9:22
